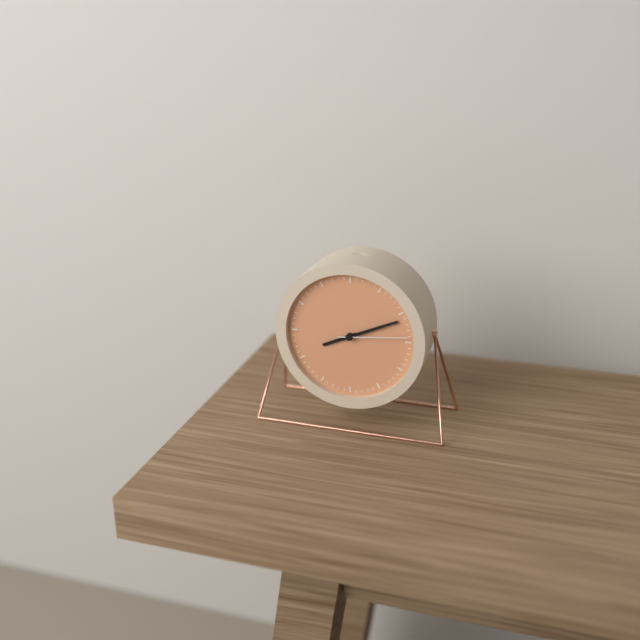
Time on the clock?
8:11:14
